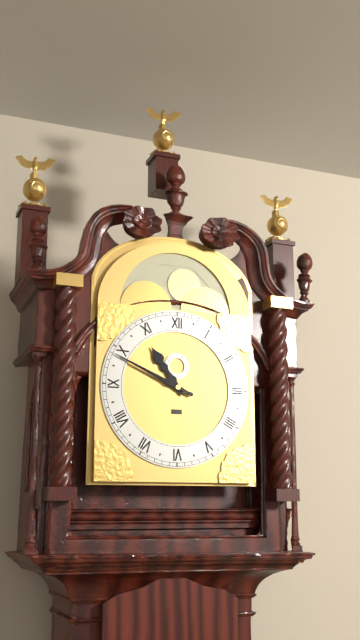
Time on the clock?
10:49
